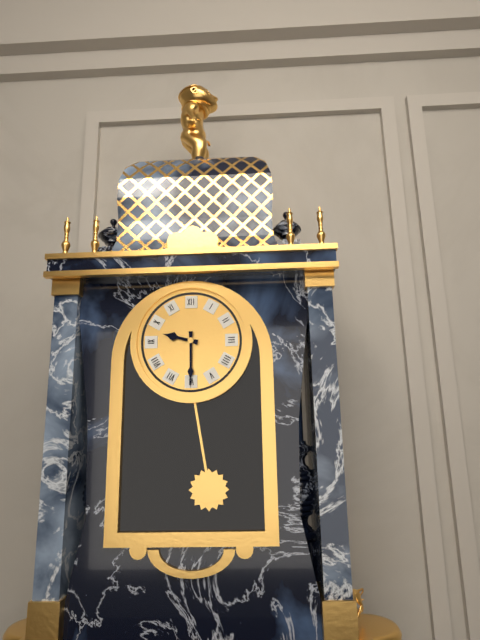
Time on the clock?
9:30
